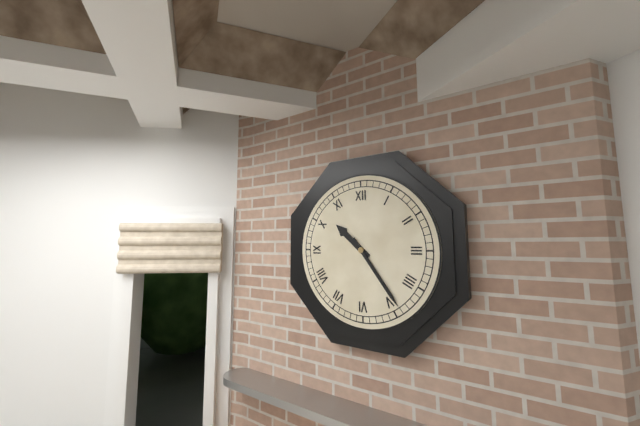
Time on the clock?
10:24
